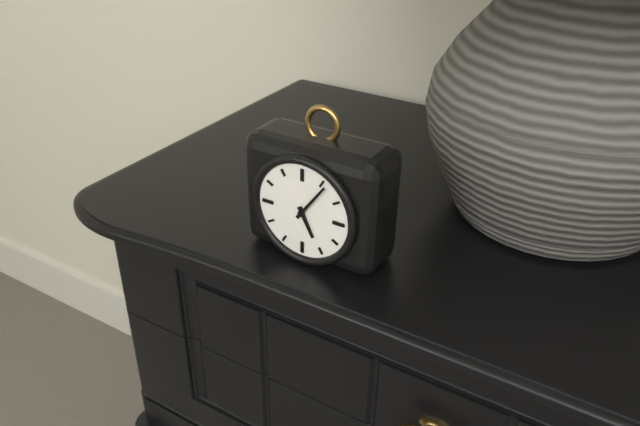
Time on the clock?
5:06
